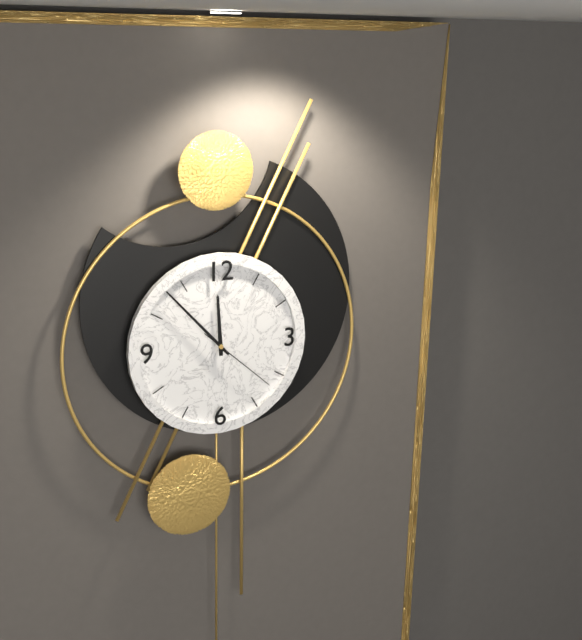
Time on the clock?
11:53:22
